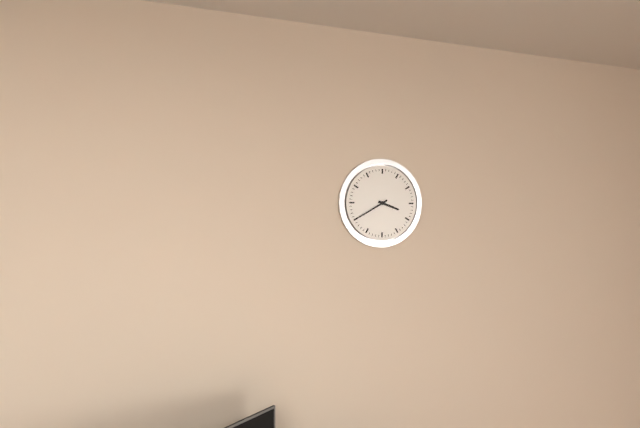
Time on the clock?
3:40
